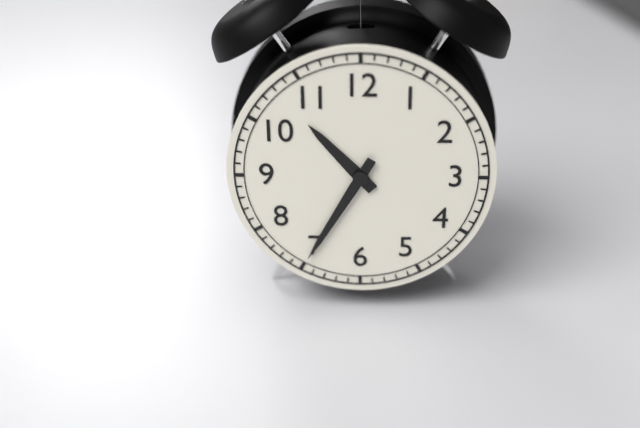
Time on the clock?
10:35
